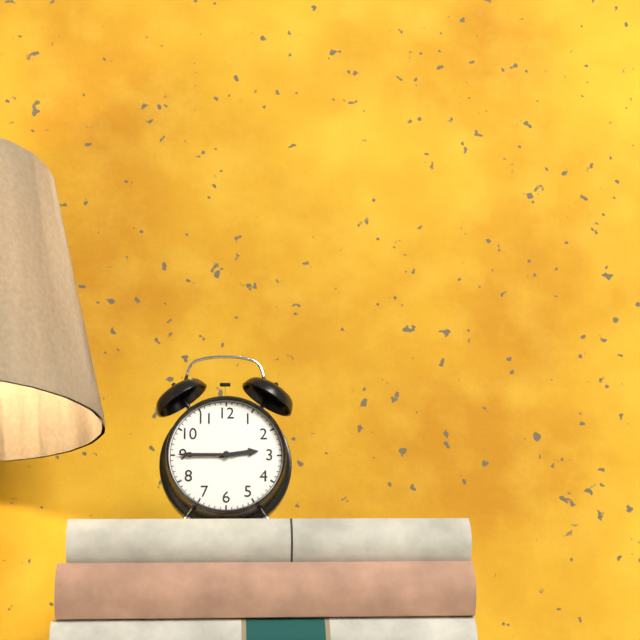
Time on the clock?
2:45
